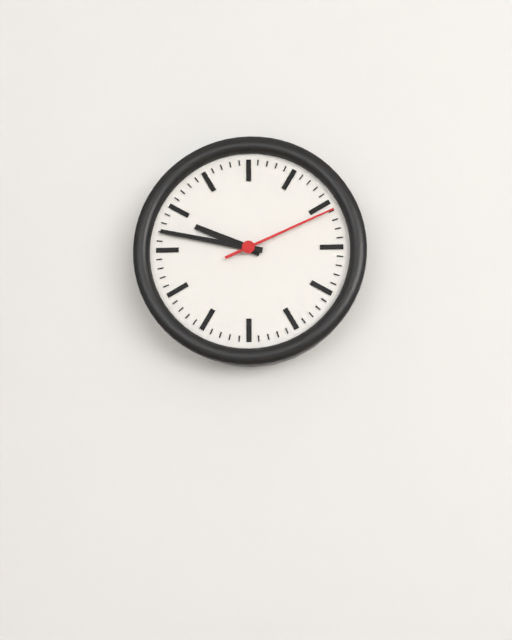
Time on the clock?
9:47:11
